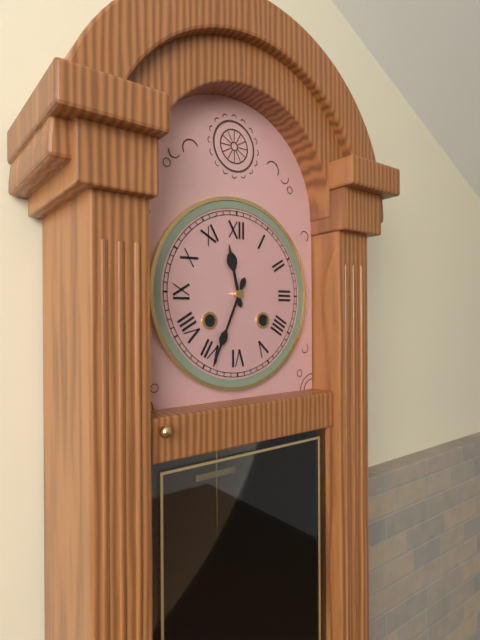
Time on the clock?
11:34
